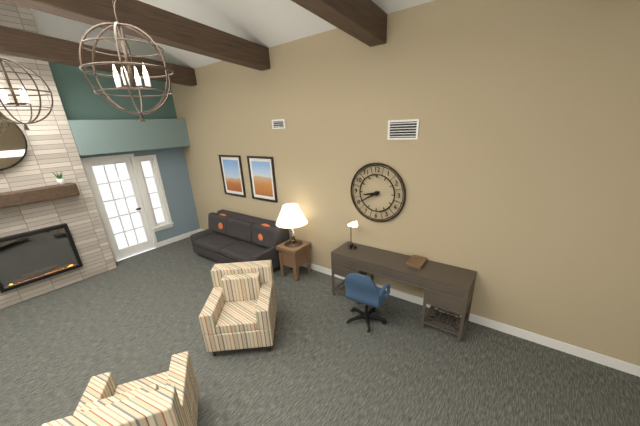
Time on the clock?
8:40
